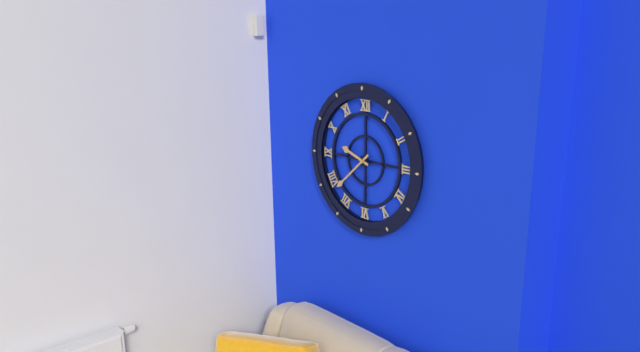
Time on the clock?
9:38
